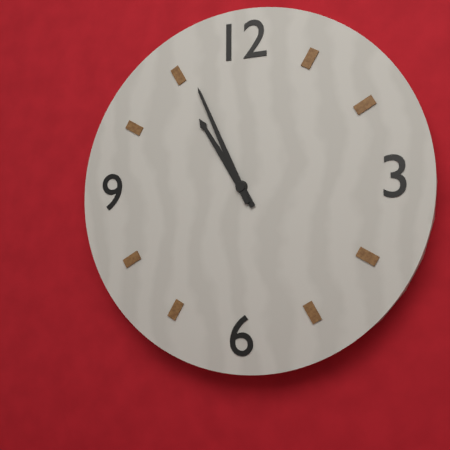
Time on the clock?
10:56
